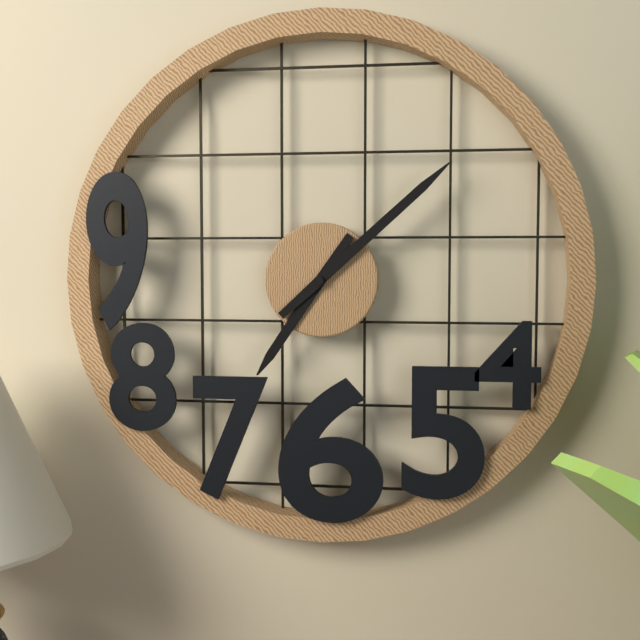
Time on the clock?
7:08
